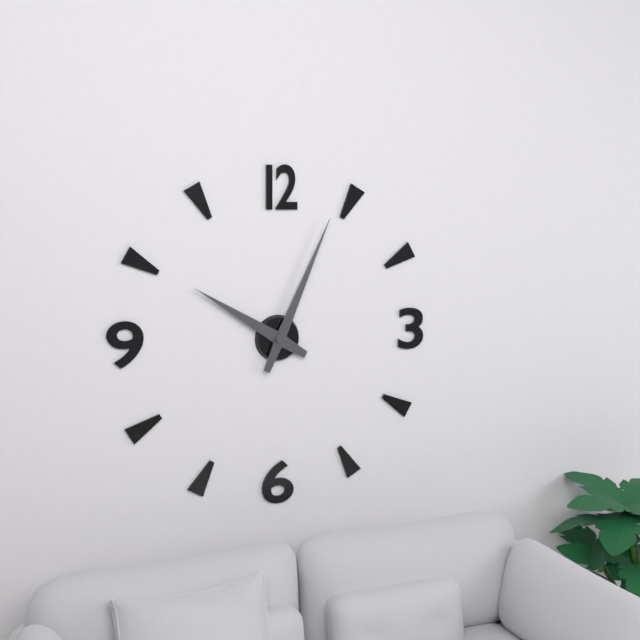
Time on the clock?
10:04
